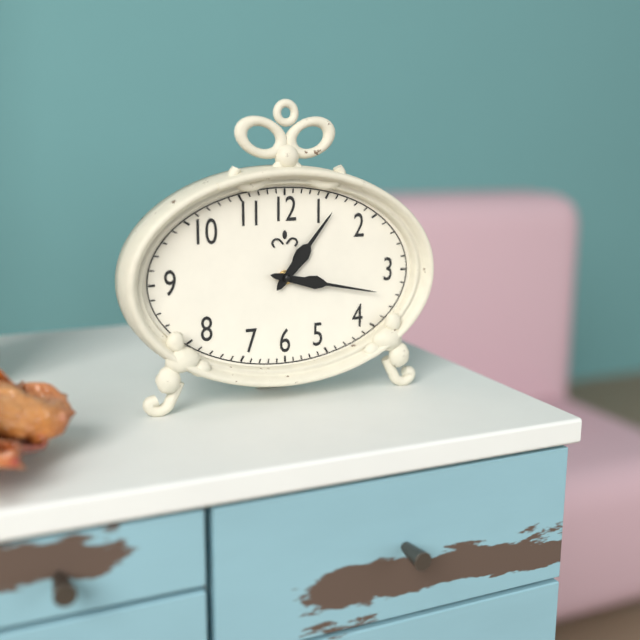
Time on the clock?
1:17
